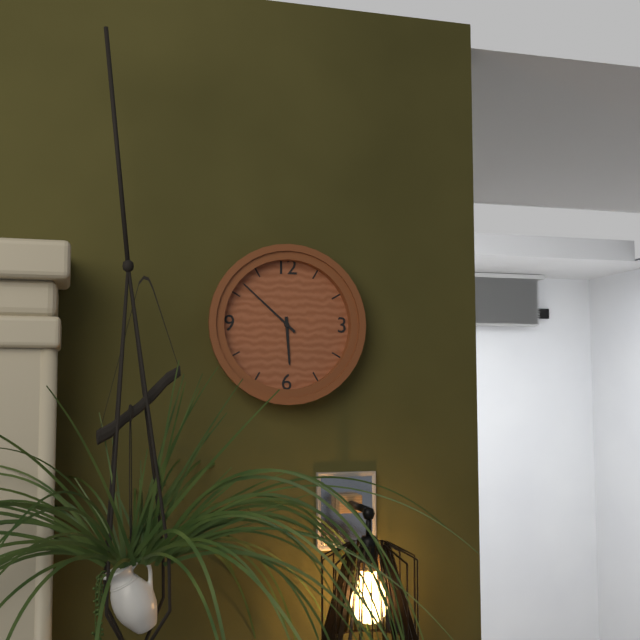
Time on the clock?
5:52
